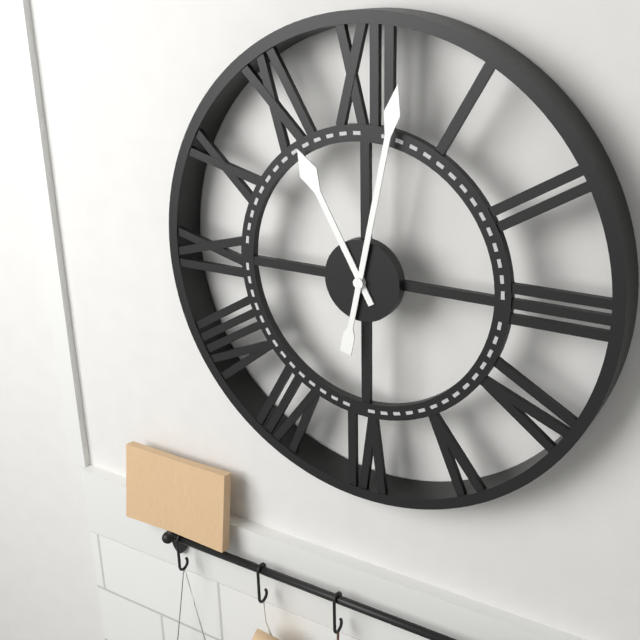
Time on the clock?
11:02
